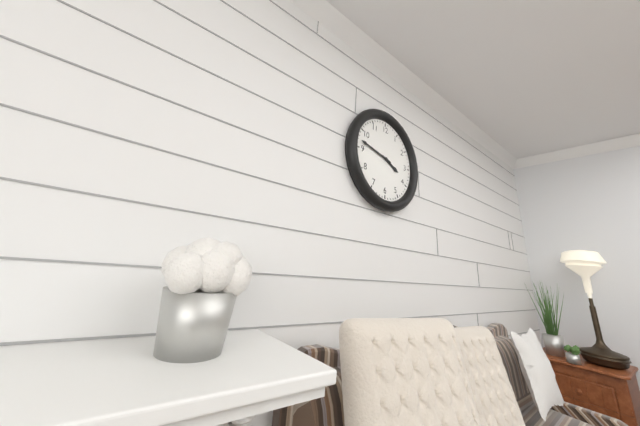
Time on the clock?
3:47
